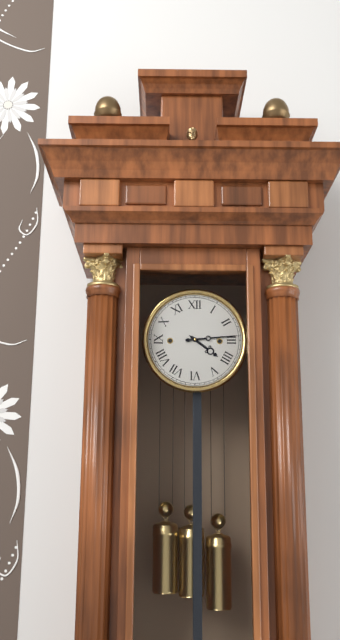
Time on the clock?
4:14
